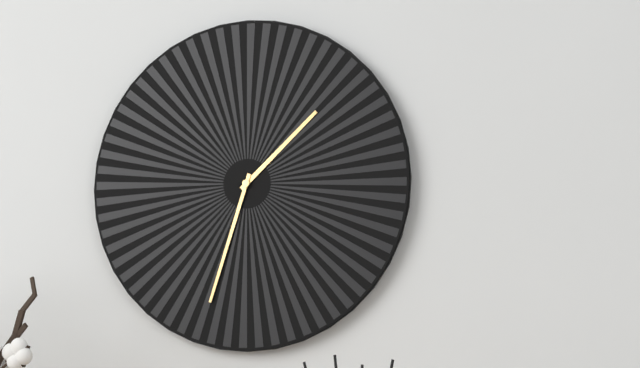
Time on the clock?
1:33
